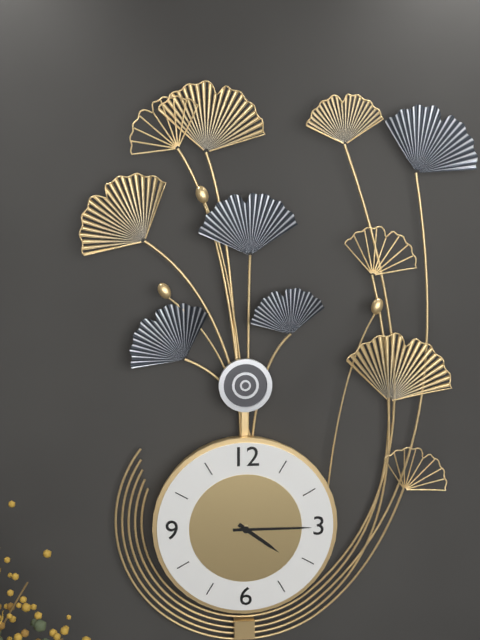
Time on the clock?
4:15
